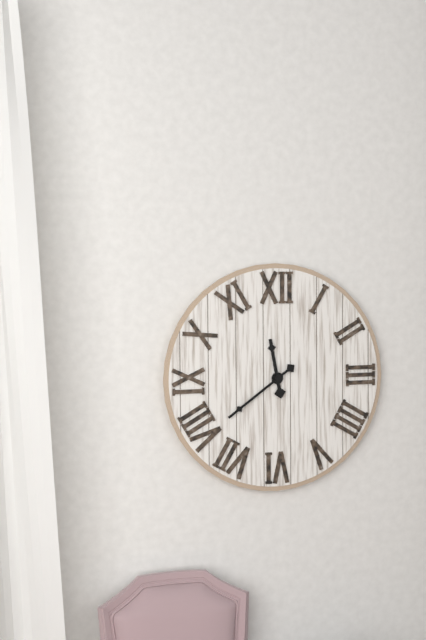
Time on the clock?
11:39
